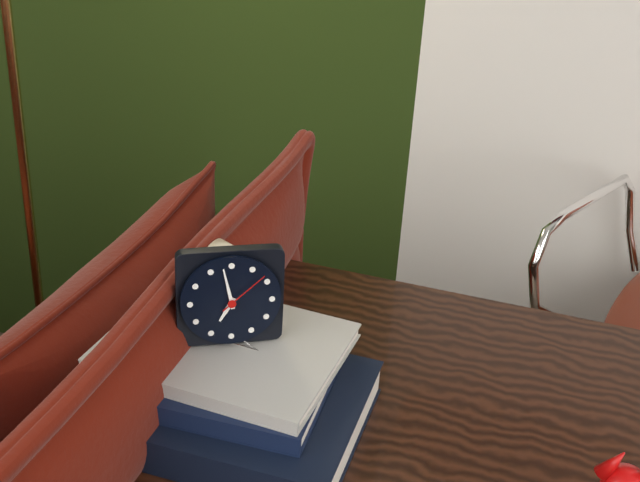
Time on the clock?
6:58:08
